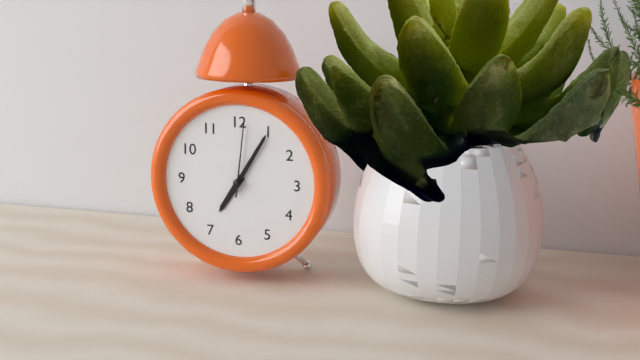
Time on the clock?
7:05:01
